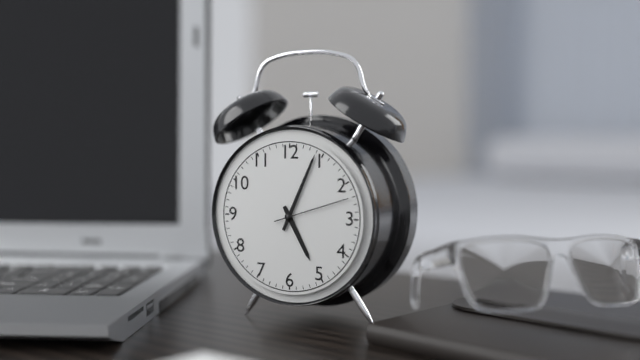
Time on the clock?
5:04:12
